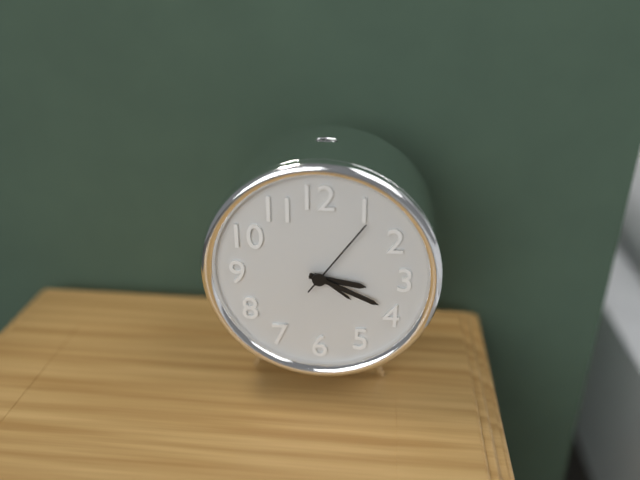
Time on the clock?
3:19:06
